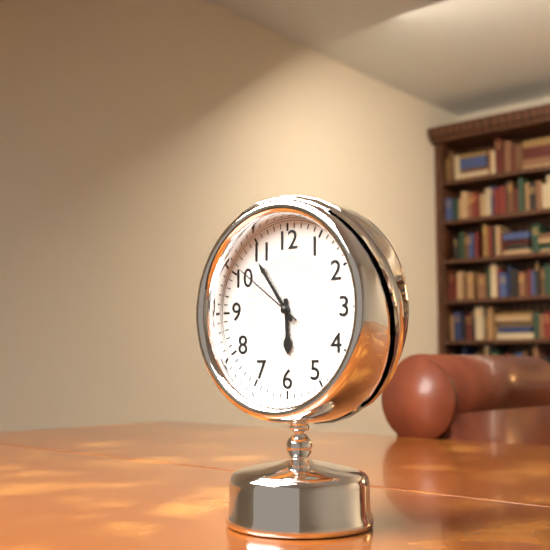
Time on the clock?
5:54:51
